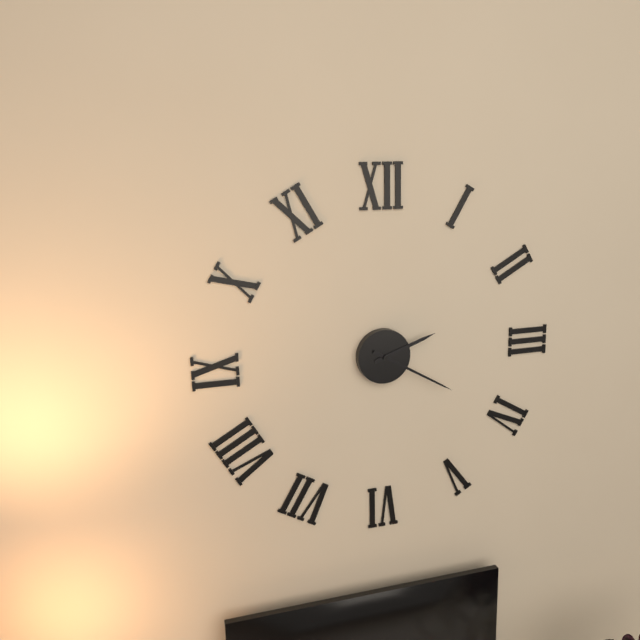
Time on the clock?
2:20
